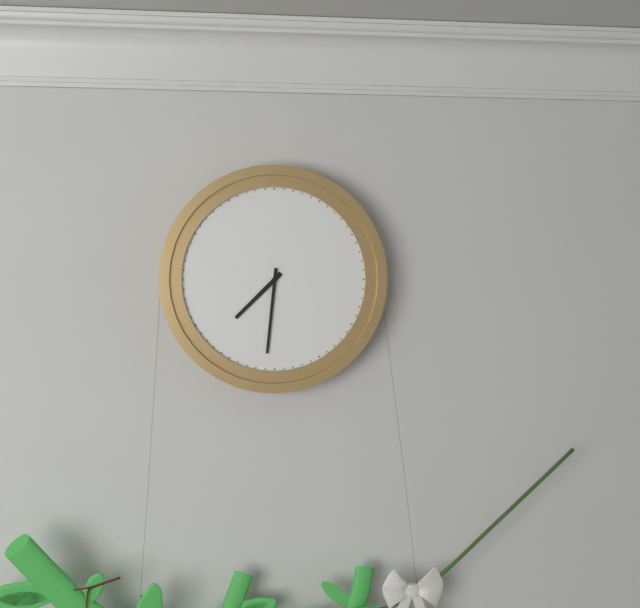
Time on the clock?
7:31
